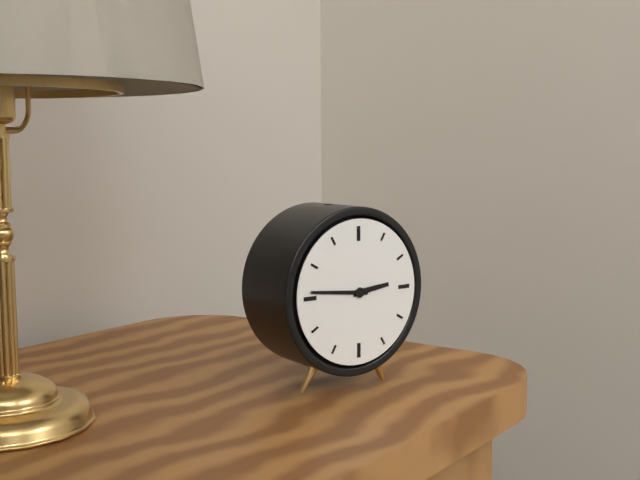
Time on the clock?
2:46
